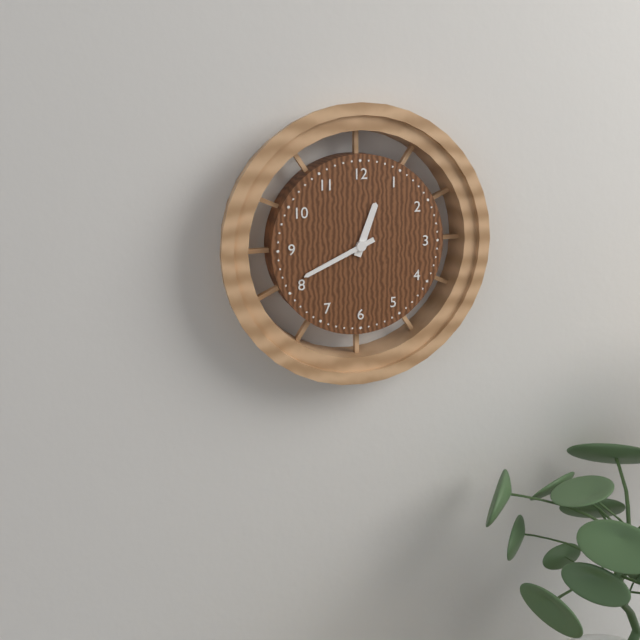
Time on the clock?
12:41
